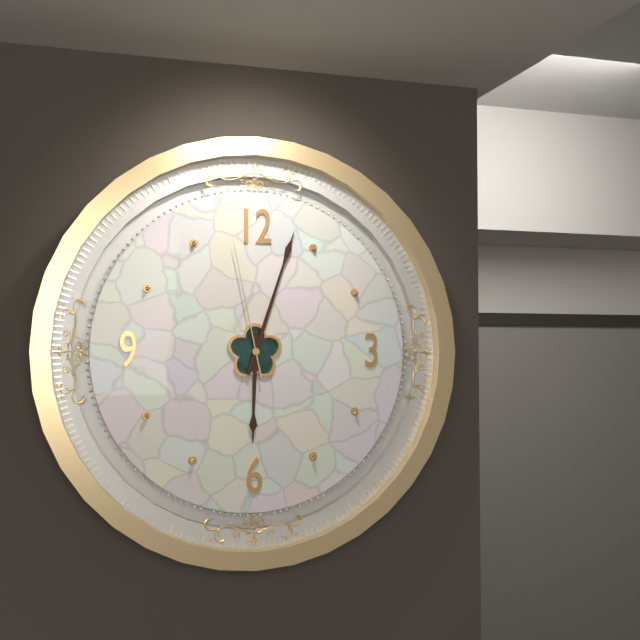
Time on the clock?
6:03:58
